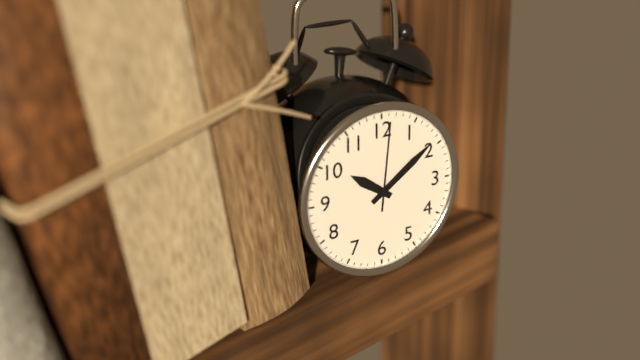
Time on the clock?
10:09:01
